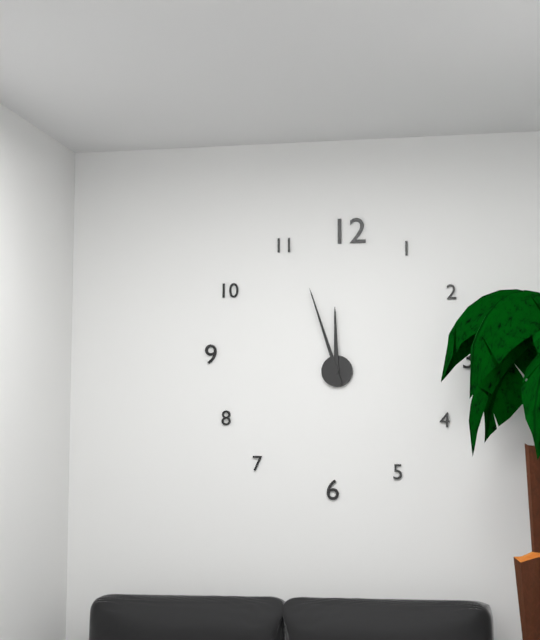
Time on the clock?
11:57
